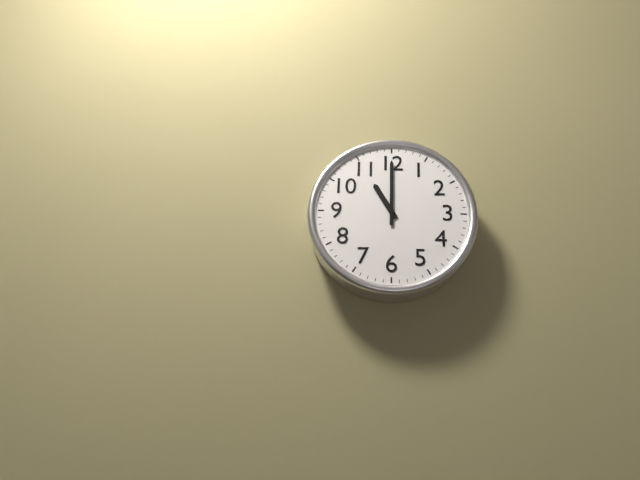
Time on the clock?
11:00
